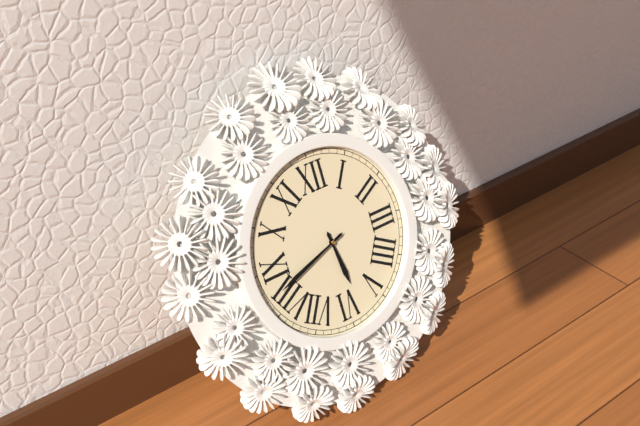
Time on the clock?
5:42
